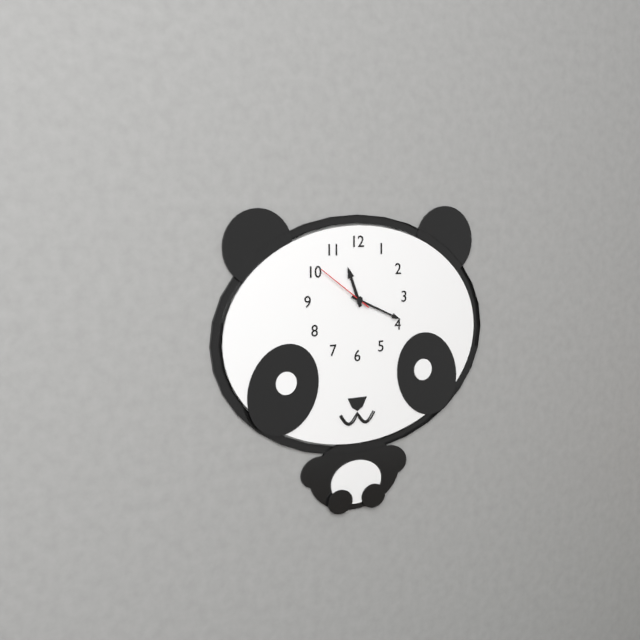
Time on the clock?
11:19:51
